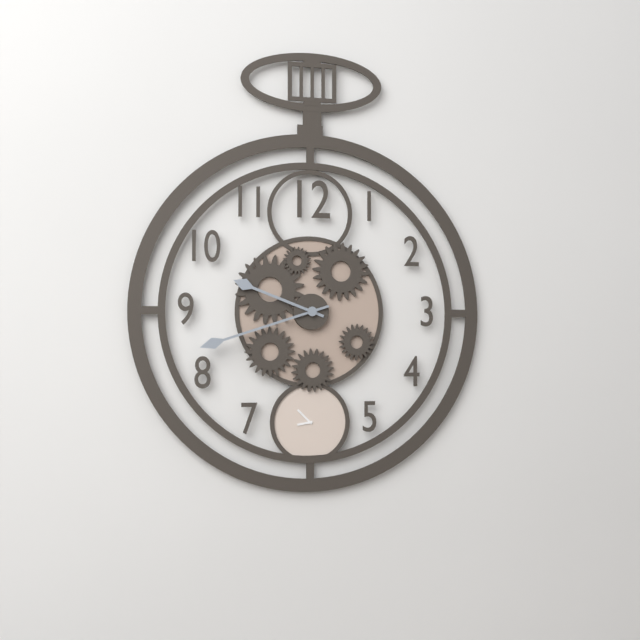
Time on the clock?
9:42
